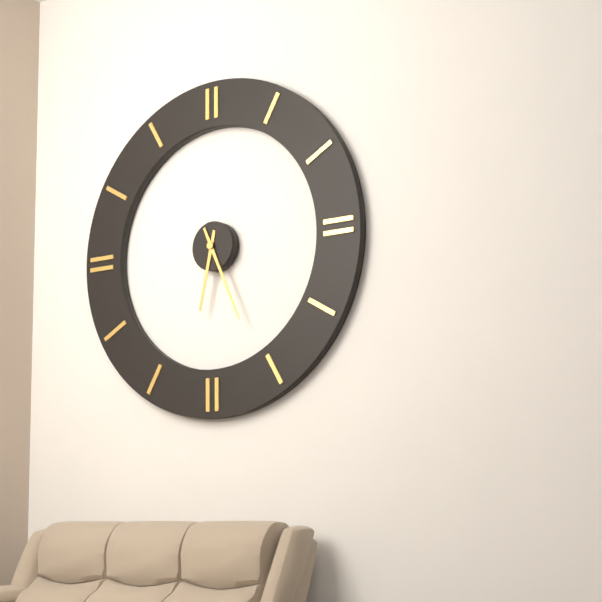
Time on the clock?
6:26
